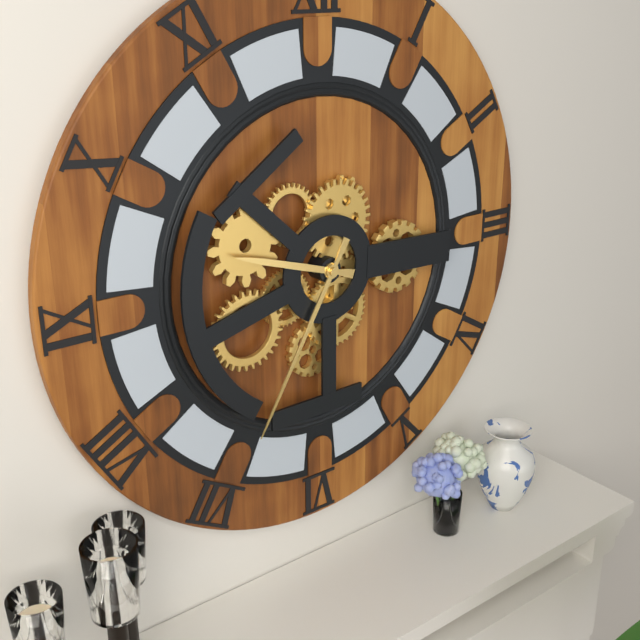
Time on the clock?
9:35
